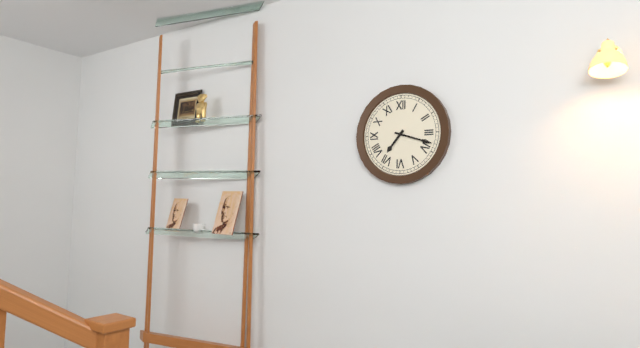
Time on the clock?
7:18
